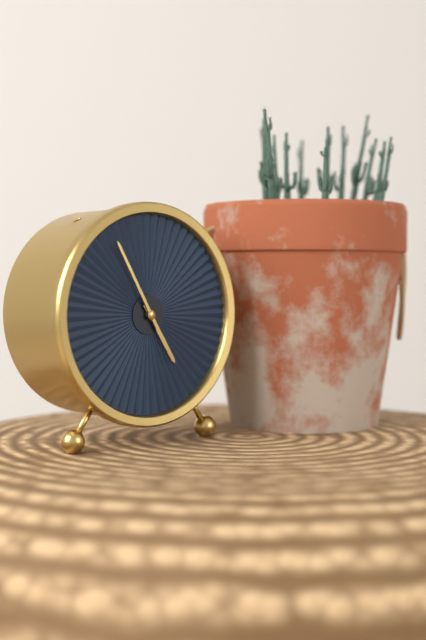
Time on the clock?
4:55
